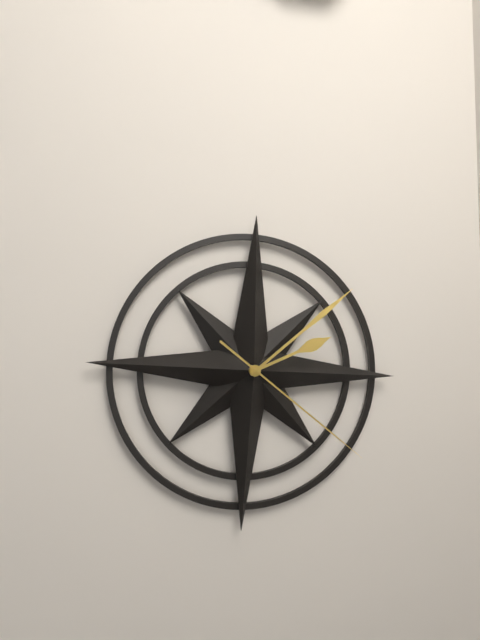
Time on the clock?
2:08:21
